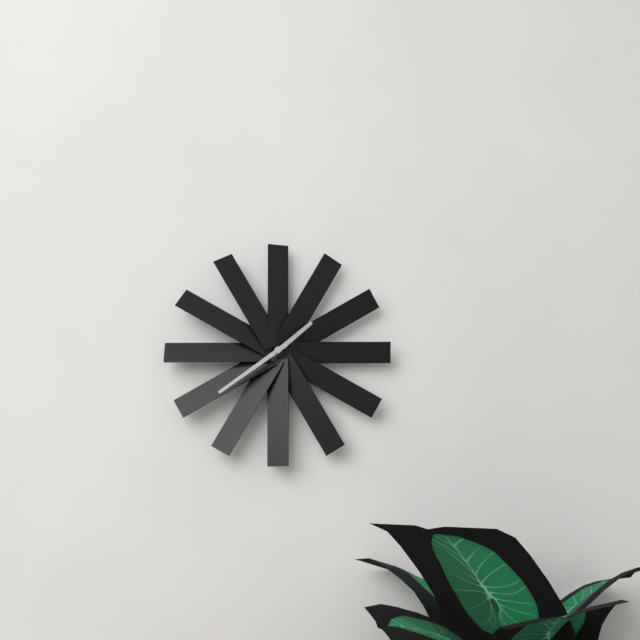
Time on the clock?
1:39
